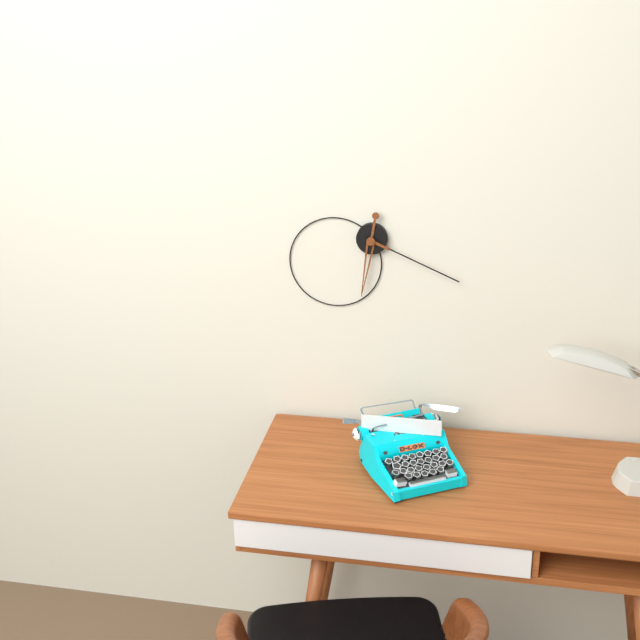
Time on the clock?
6:19
